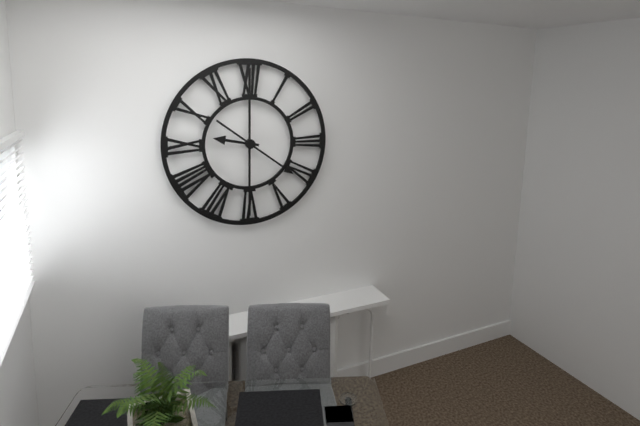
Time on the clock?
9:21
